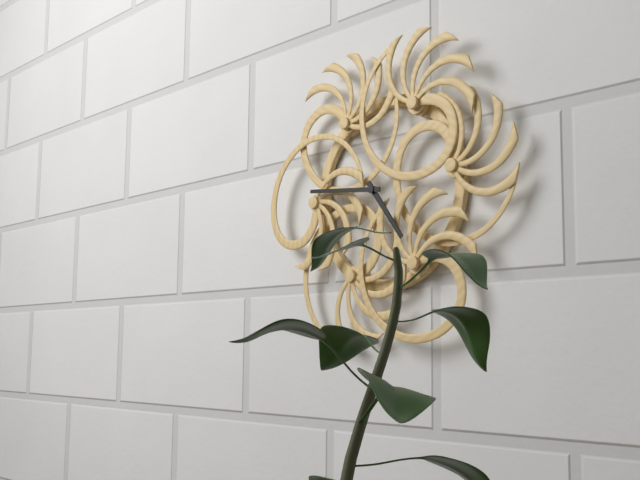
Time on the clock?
4:46
